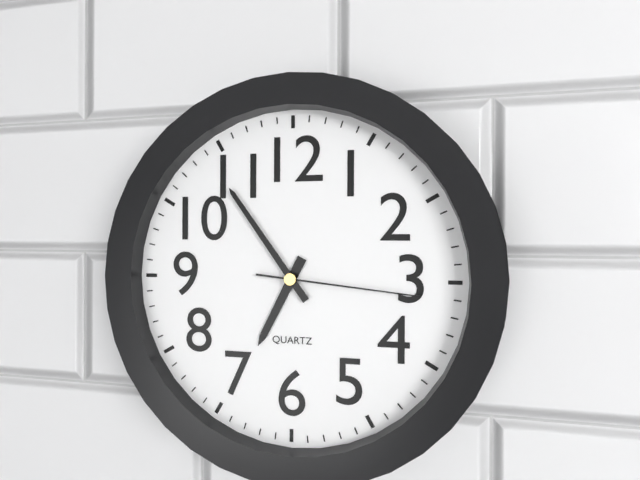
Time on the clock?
6:54:16
